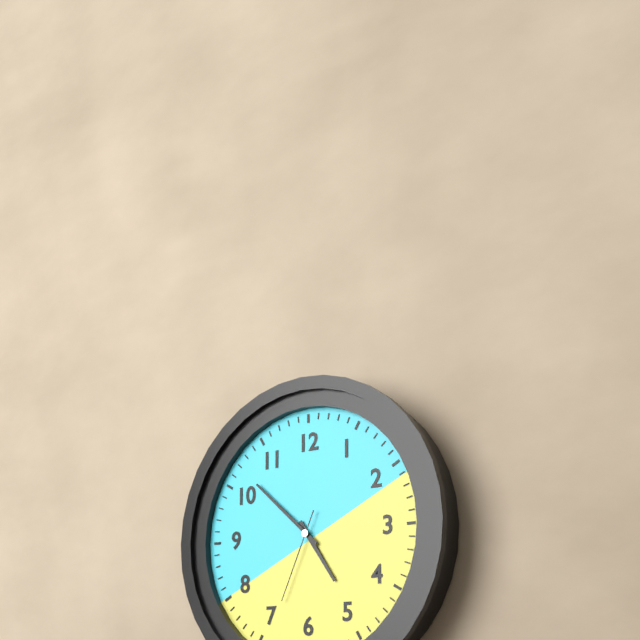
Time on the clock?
4:52:34
